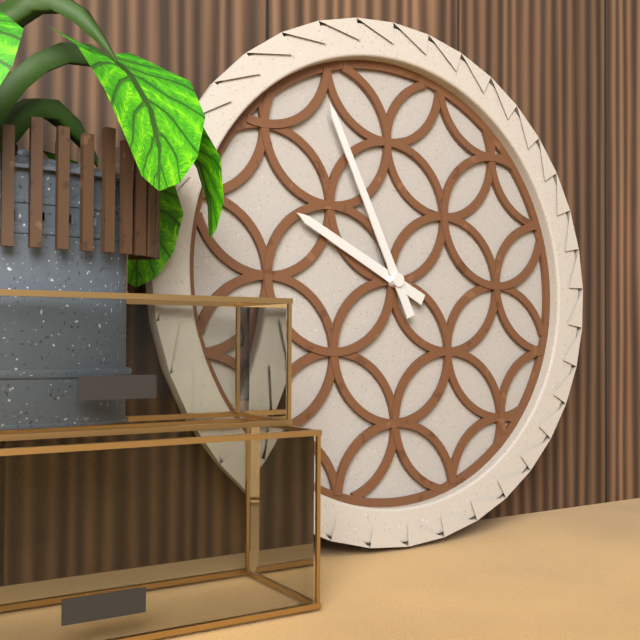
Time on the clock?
9:56
